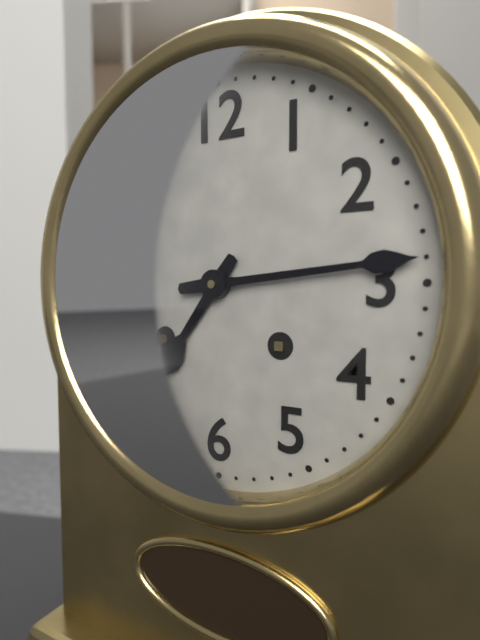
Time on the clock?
7:14
